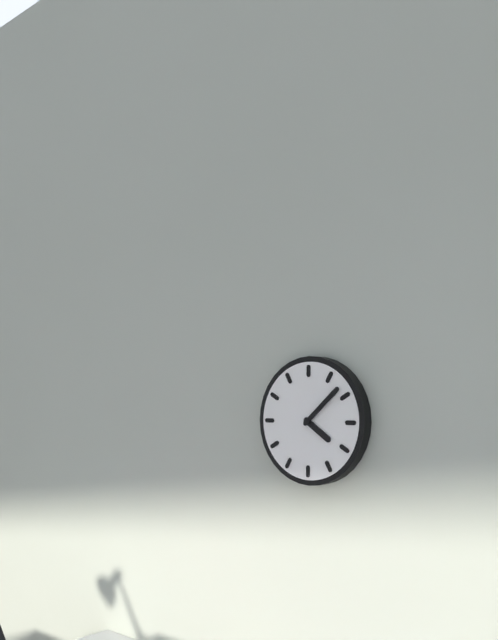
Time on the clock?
4:08
